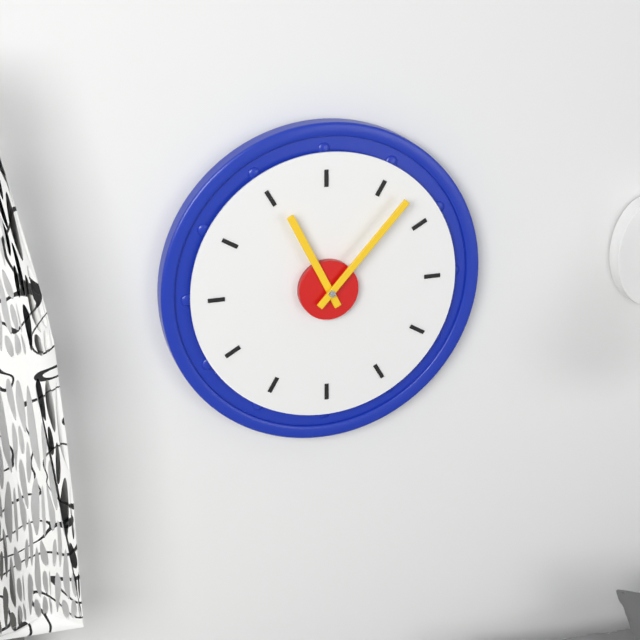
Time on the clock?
11:07
